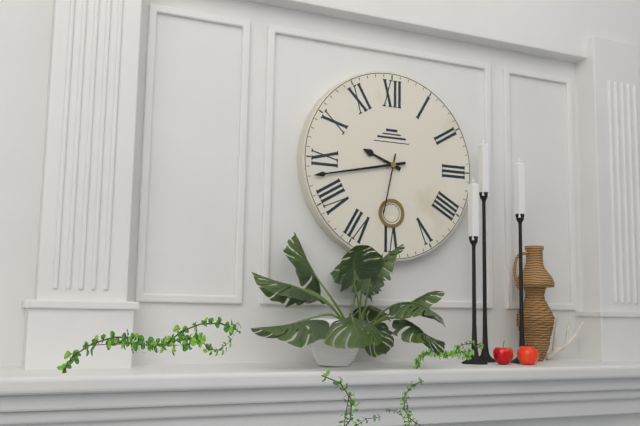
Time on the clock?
9:43:32
